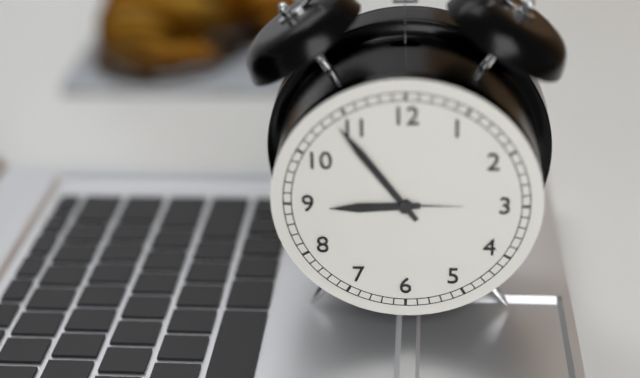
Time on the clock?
8:54
